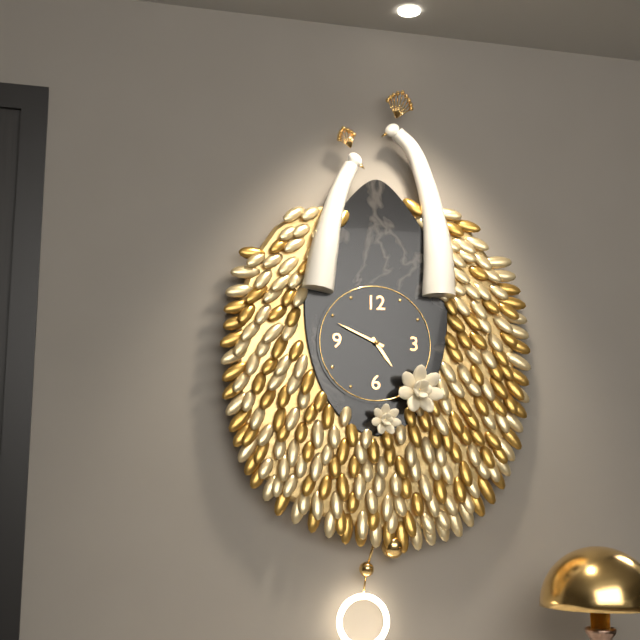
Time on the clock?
4:49
